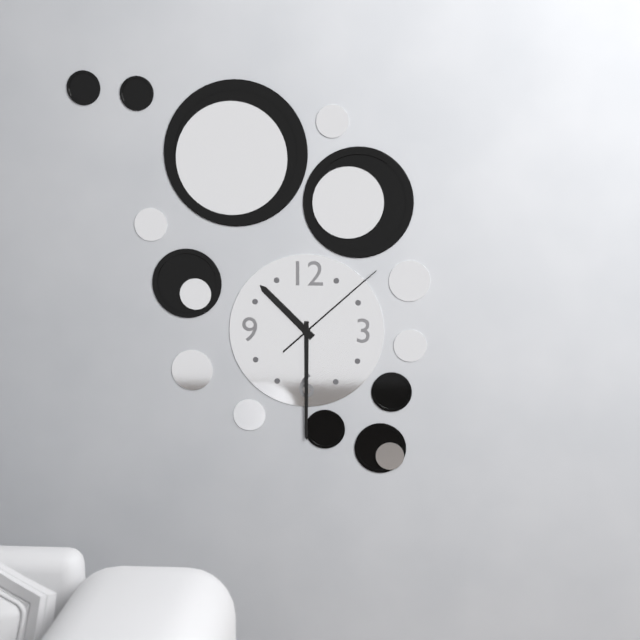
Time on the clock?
10:30:08
